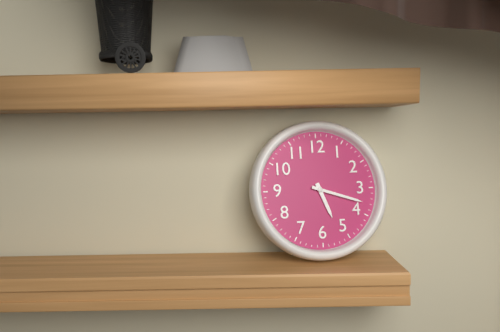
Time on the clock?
5:18
